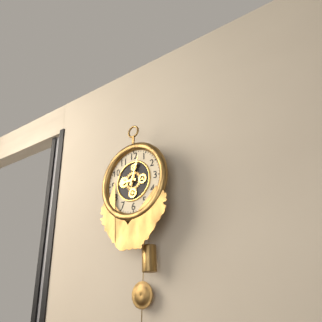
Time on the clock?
9:03
